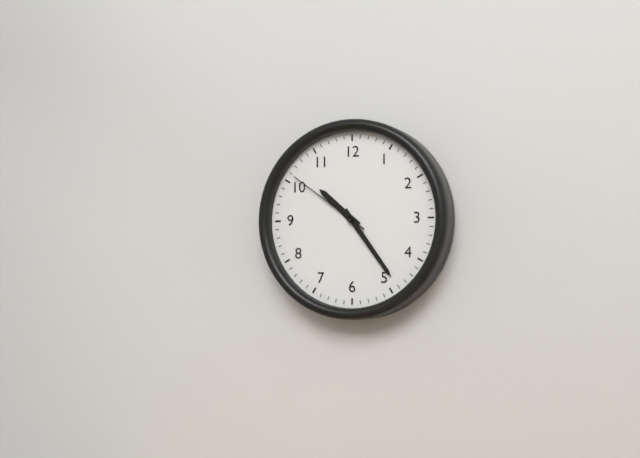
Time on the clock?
10:24:51
